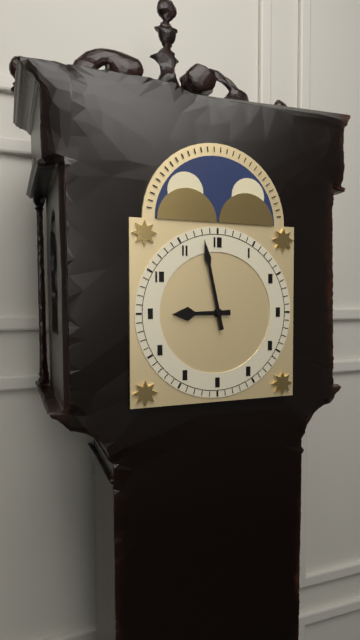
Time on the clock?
8:58
